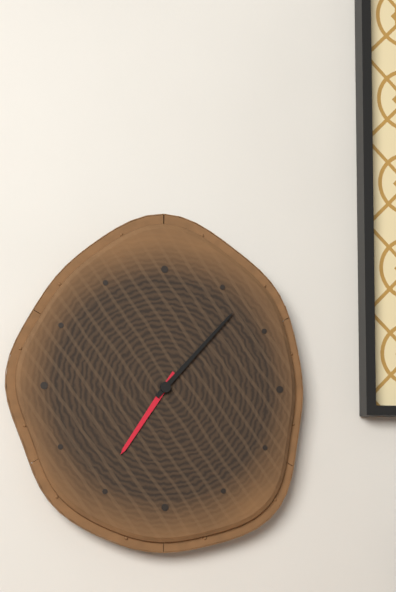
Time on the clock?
7:07
